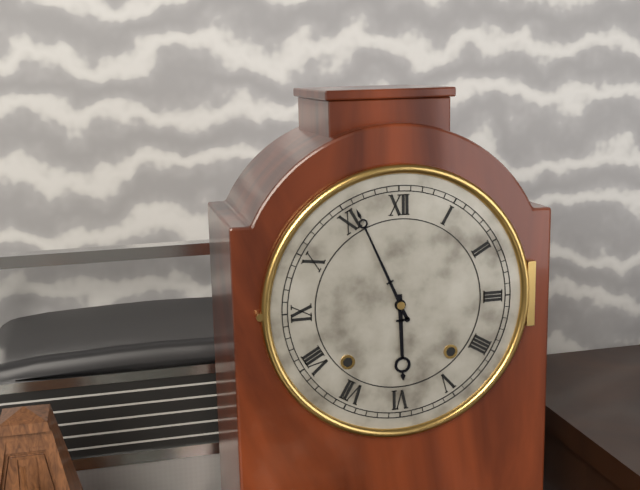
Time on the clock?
5:56
